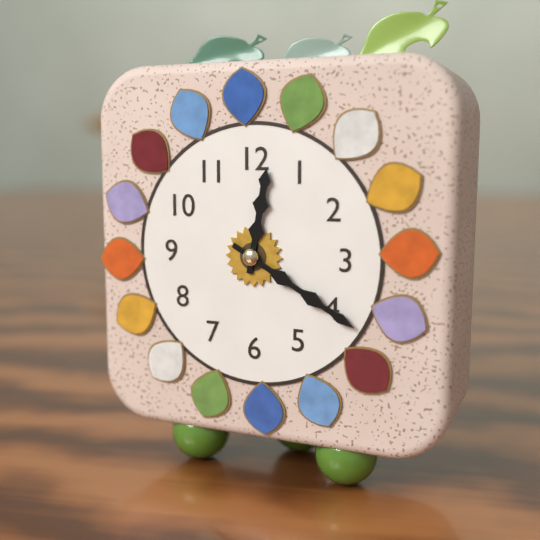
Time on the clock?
12:20
